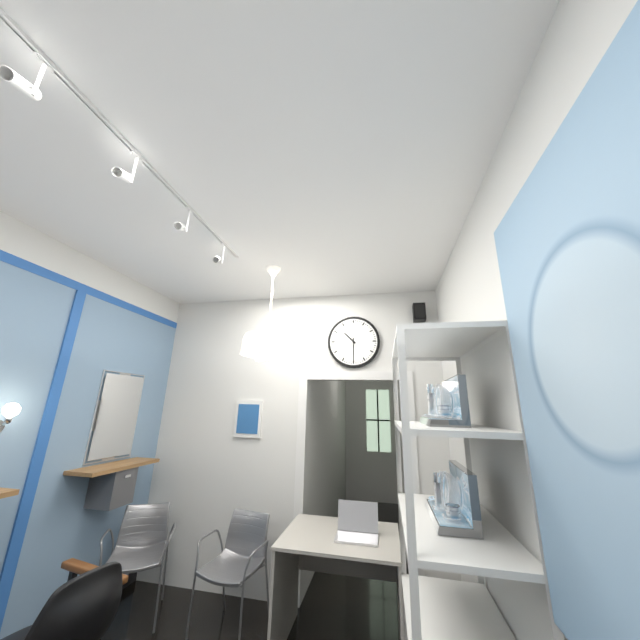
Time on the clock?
10:30
